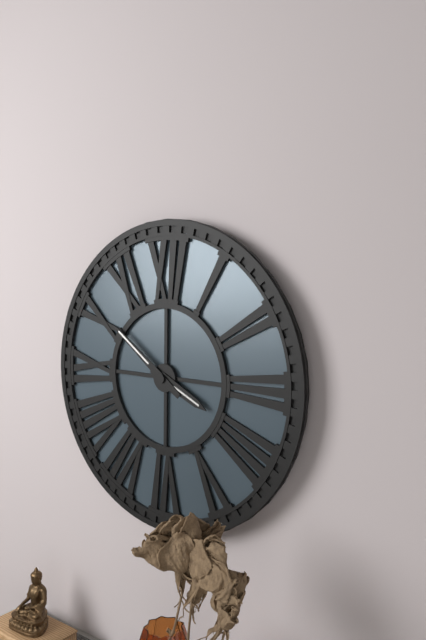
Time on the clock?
3:51
